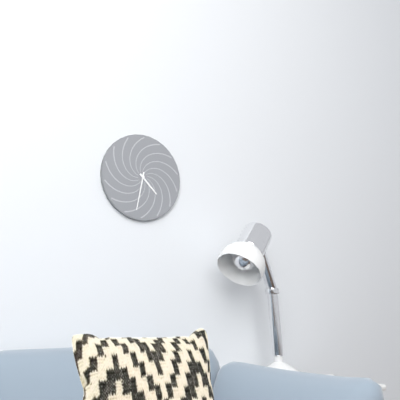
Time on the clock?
4:32
